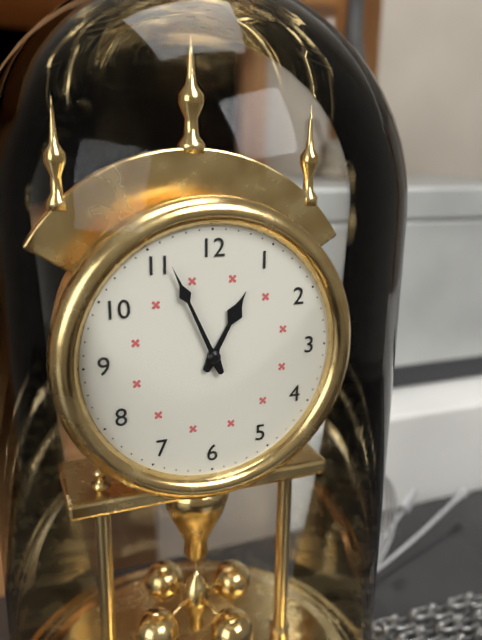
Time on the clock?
12:56
